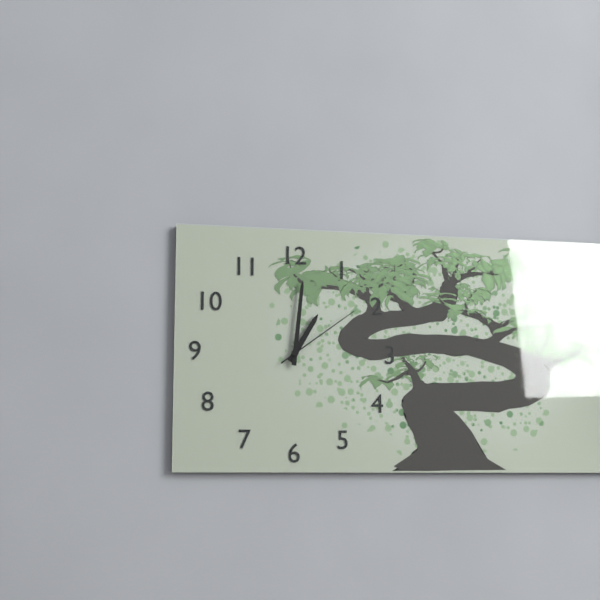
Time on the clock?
1:01:09
